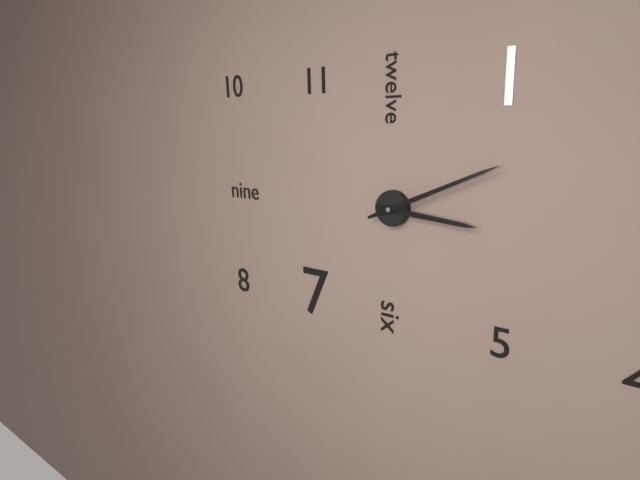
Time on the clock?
3:11
